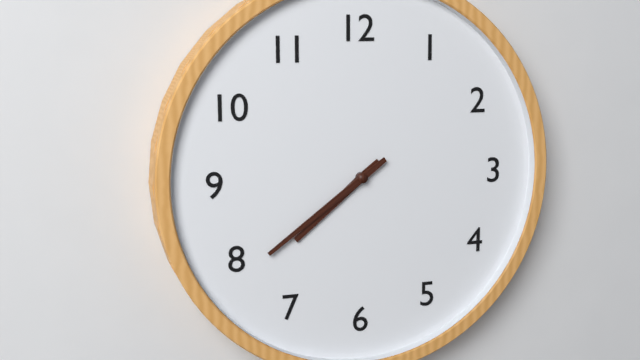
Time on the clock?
7:39
